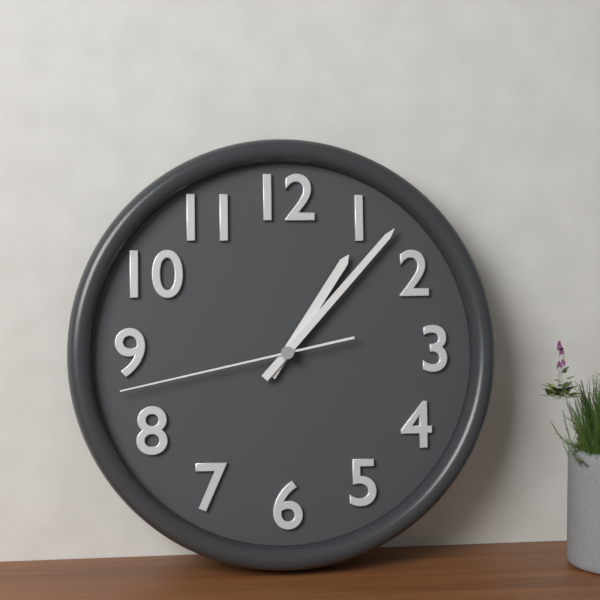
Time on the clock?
1:07:43
